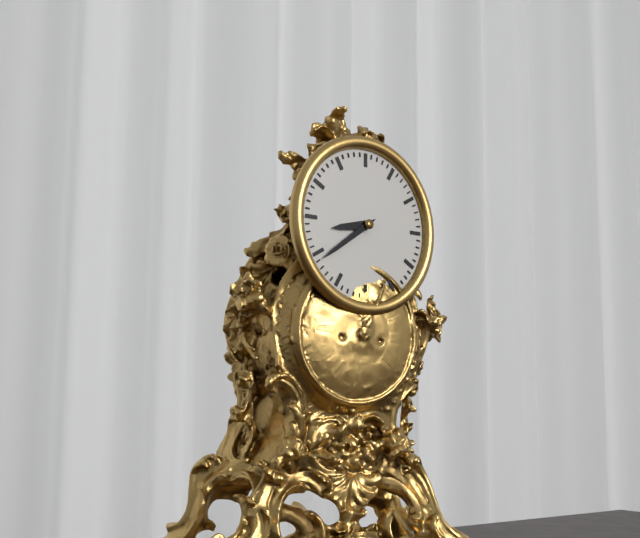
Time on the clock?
8:39
